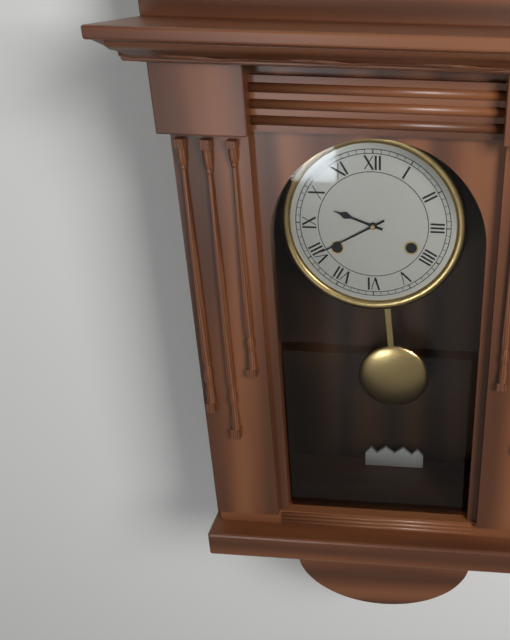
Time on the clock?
9:40
